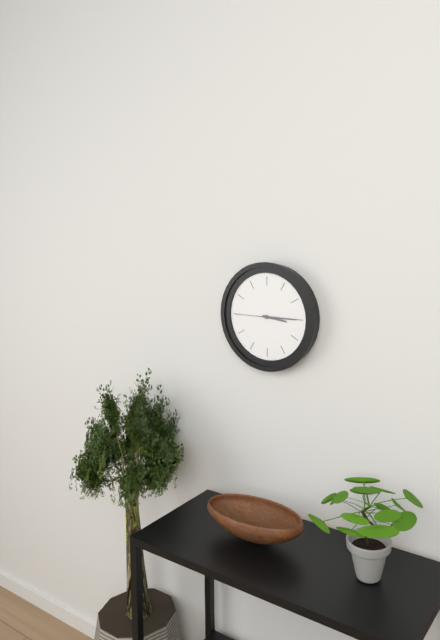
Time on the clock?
3:15
